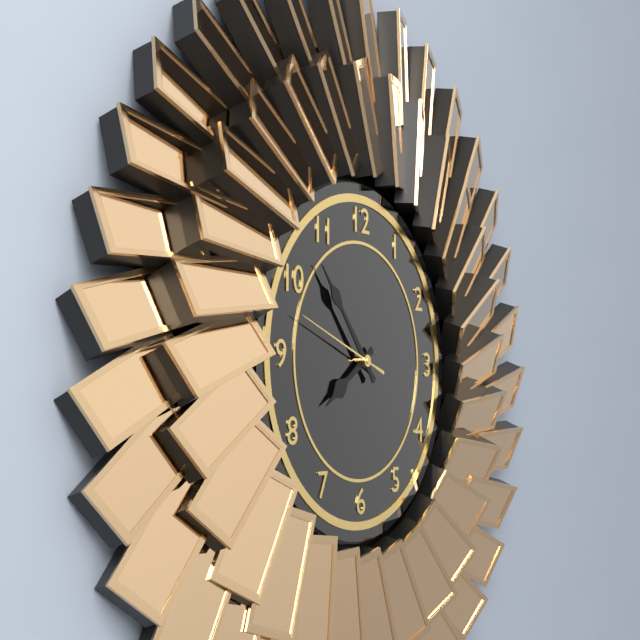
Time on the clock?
7:53:48
